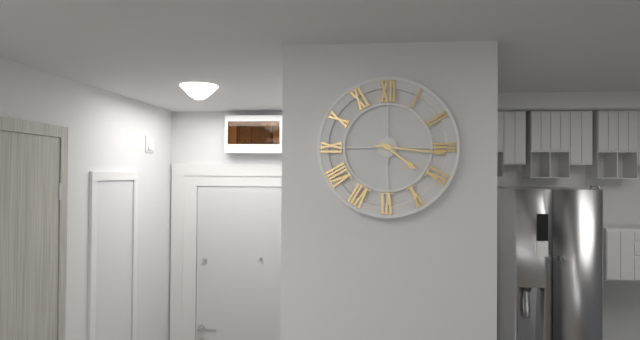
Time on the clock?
4:16
